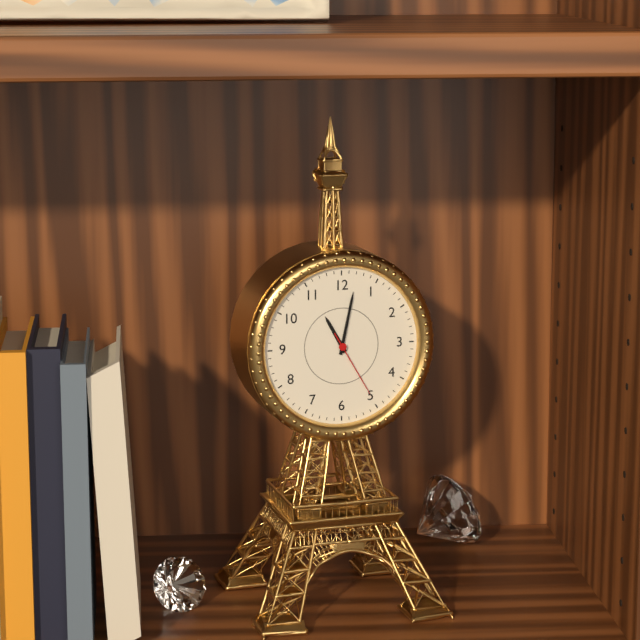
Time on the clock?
11:02:25
